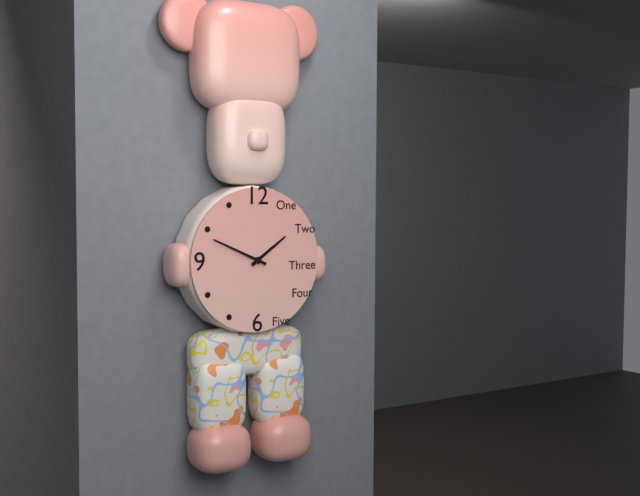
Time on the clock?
1:49
